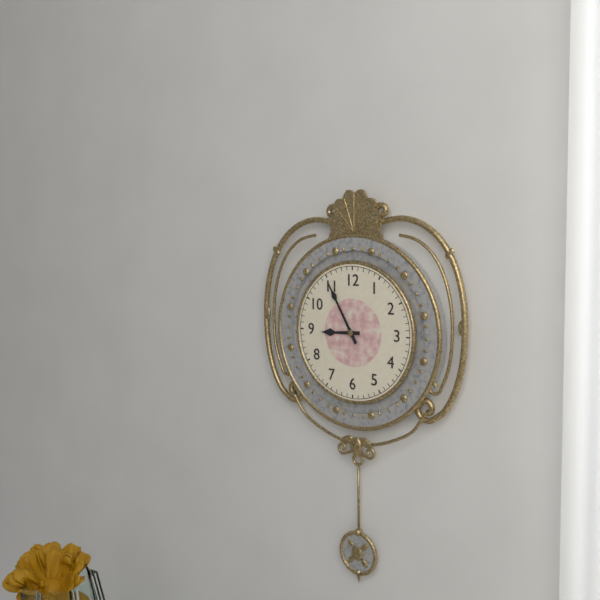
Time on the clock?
8:55
